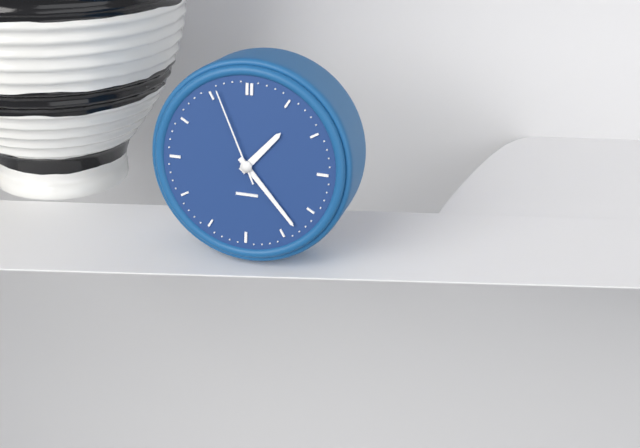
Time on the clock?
1:23:56
